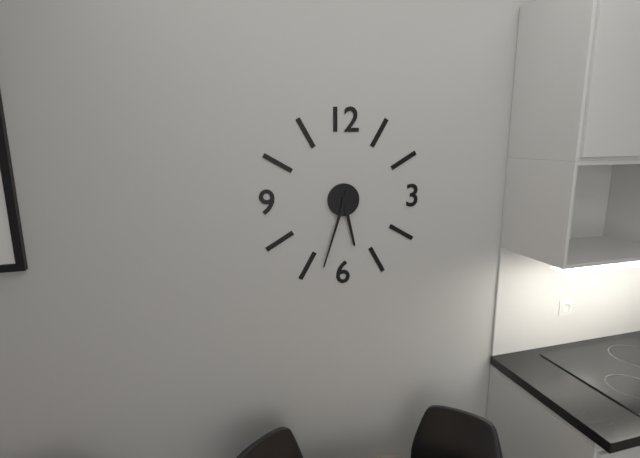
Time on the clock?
5:33
